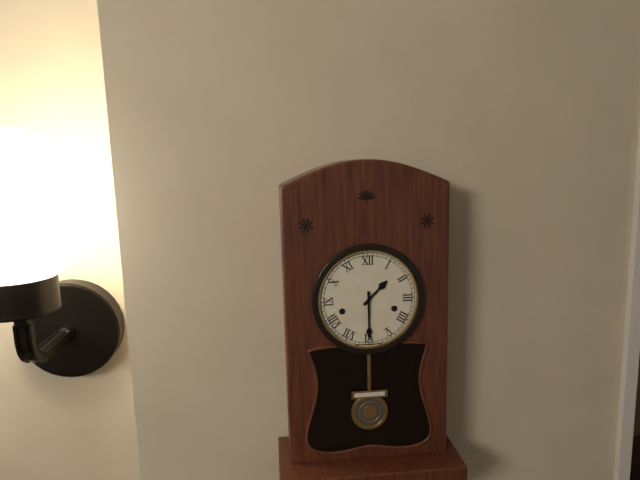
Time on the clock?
1:30
